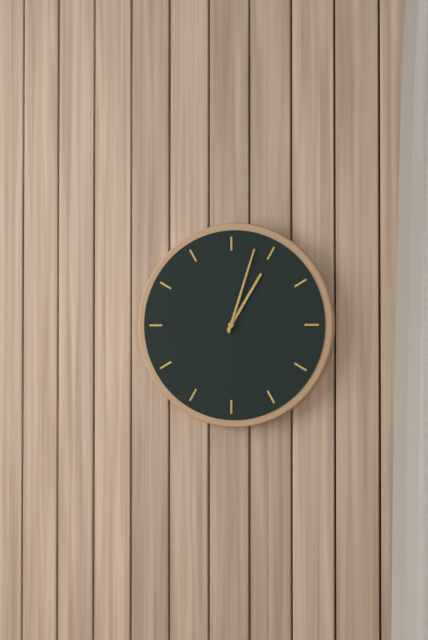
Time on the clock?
1:03
